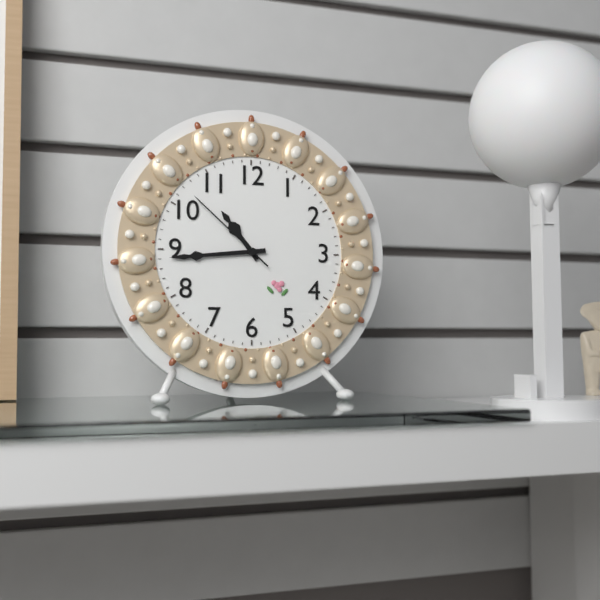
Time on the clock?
10:44:52
